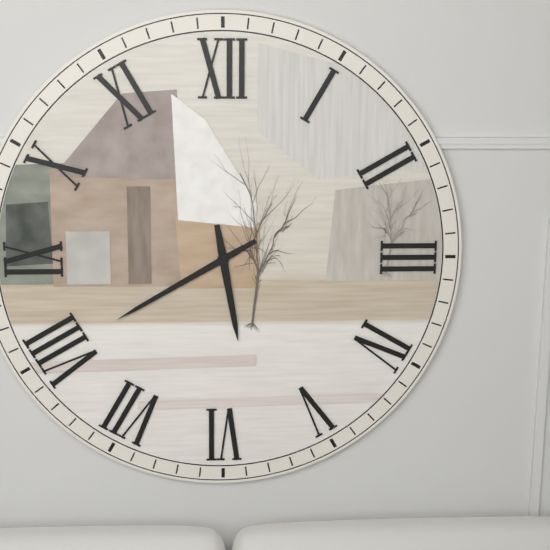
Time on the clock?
5:40
